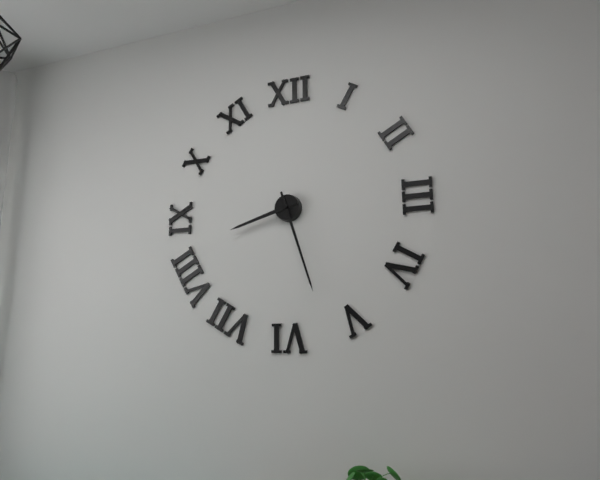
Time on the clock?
8:27
